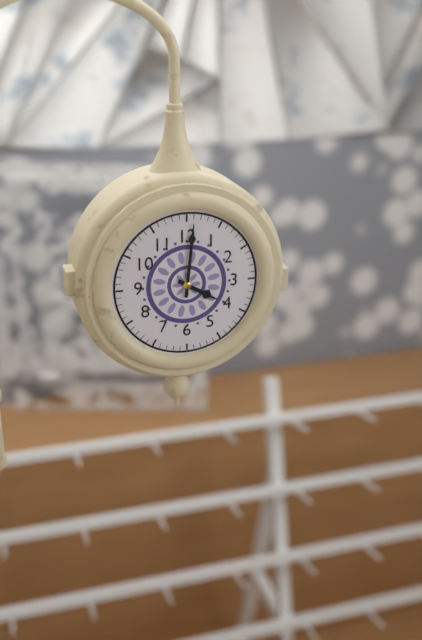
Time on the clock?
4:01
